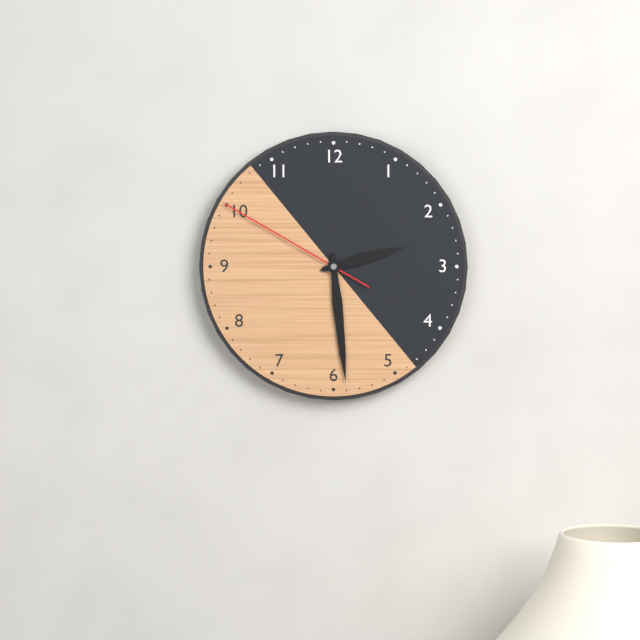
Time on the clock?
2:29:50
